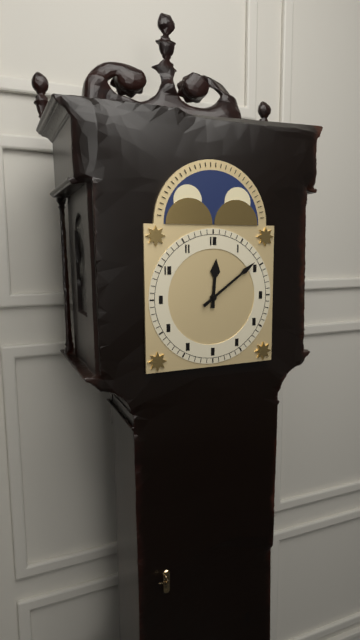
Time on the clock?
12:09
